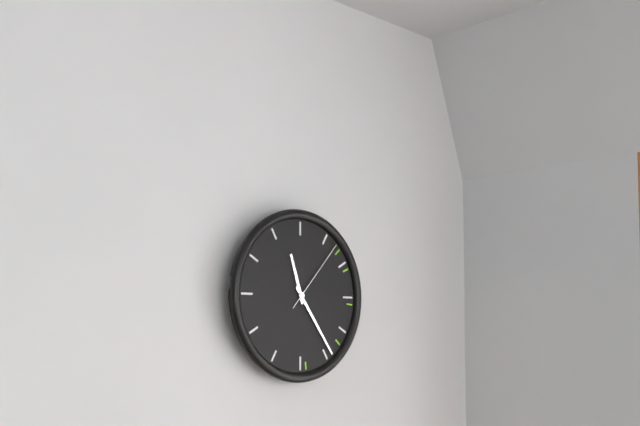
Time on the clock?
11:24:07
